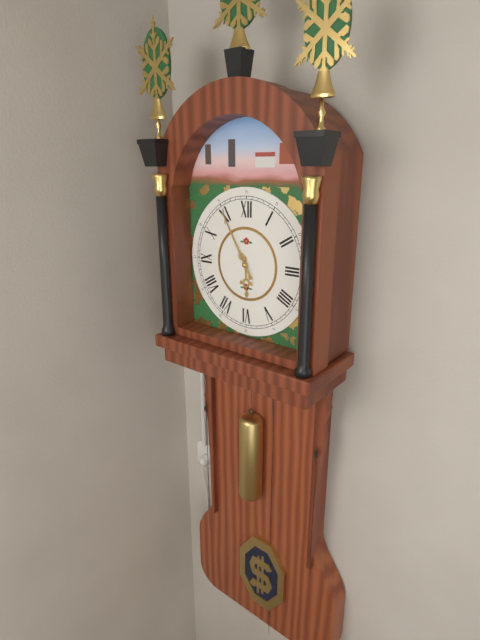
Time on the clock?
5:55
